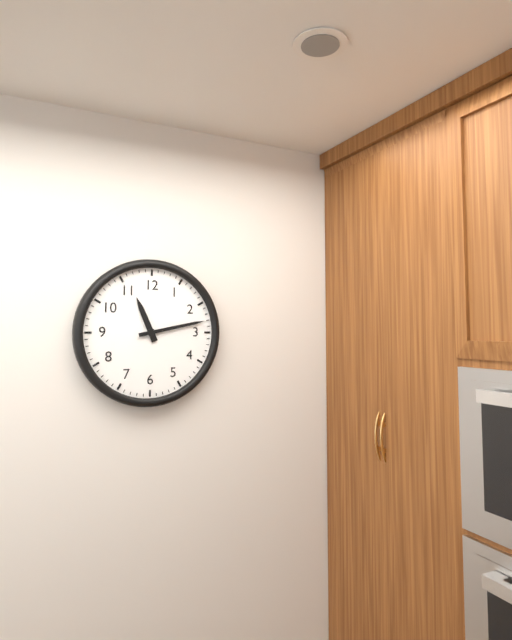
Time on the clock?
11:13
